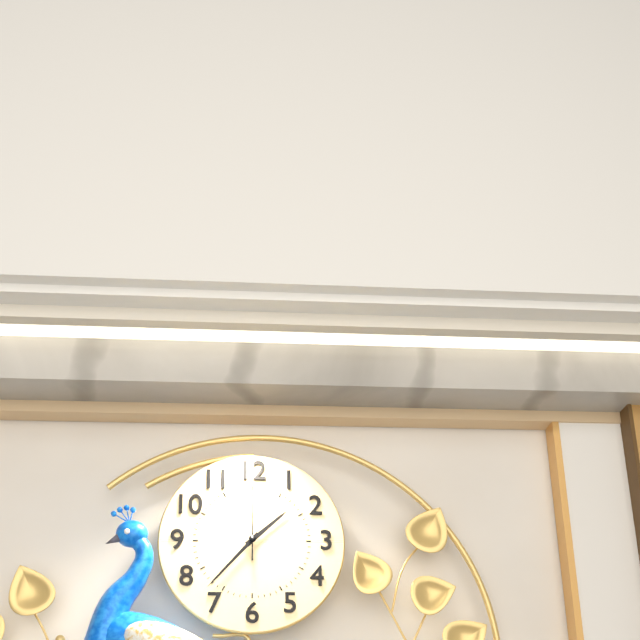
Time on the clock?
1:37:00
